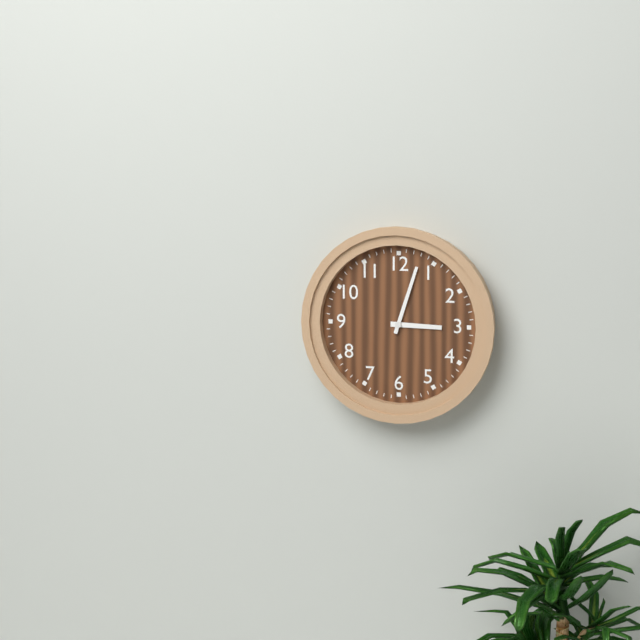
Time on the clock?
3:03
